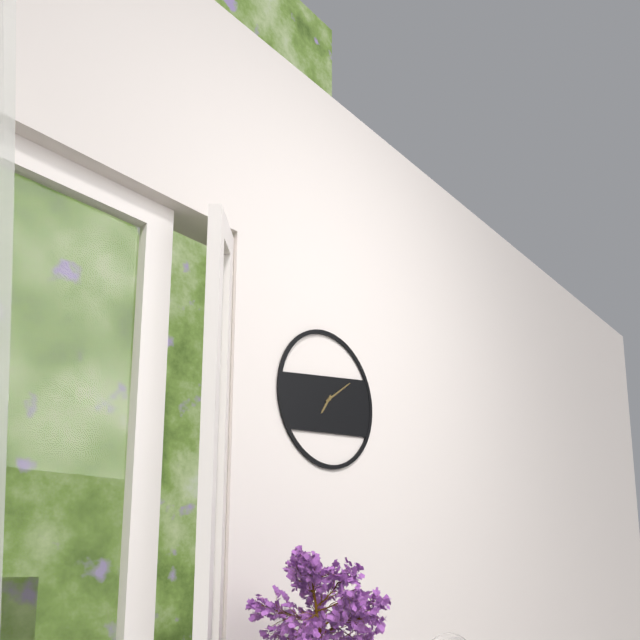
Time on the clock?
7:09
